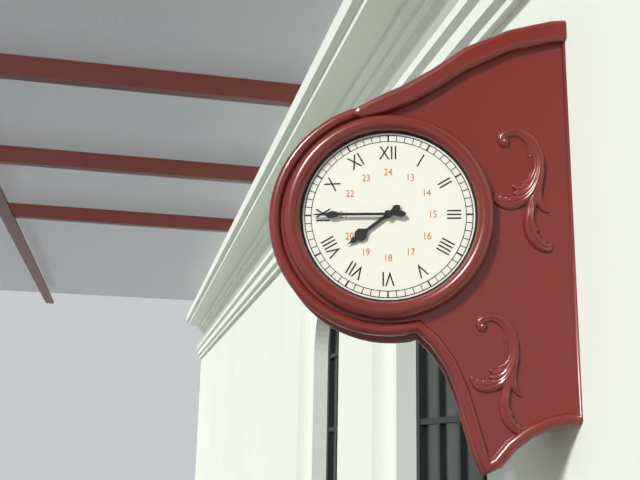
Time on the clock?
7:45
